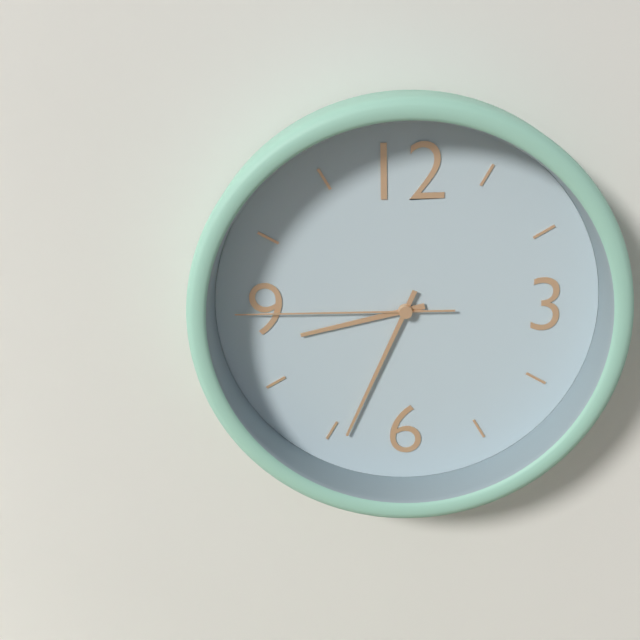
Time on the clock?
8:34:45
